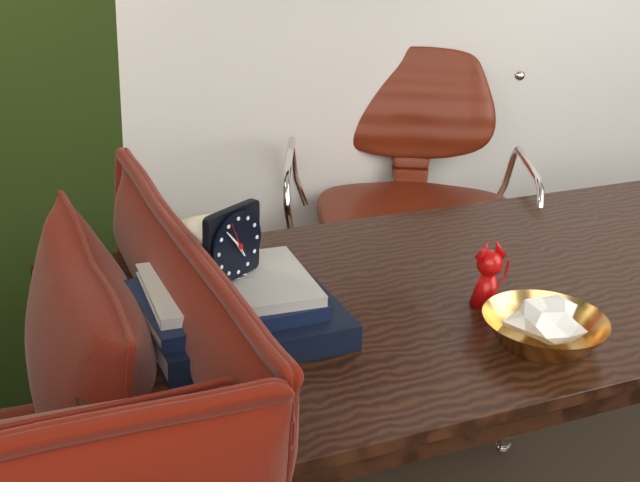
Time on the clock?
4:53
